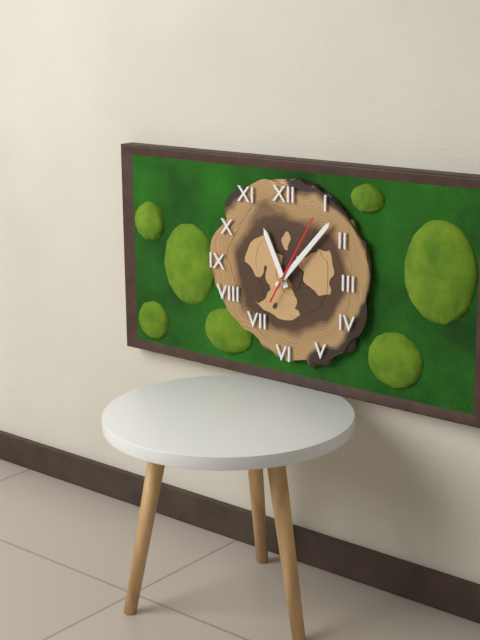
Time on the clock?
11:07:05
